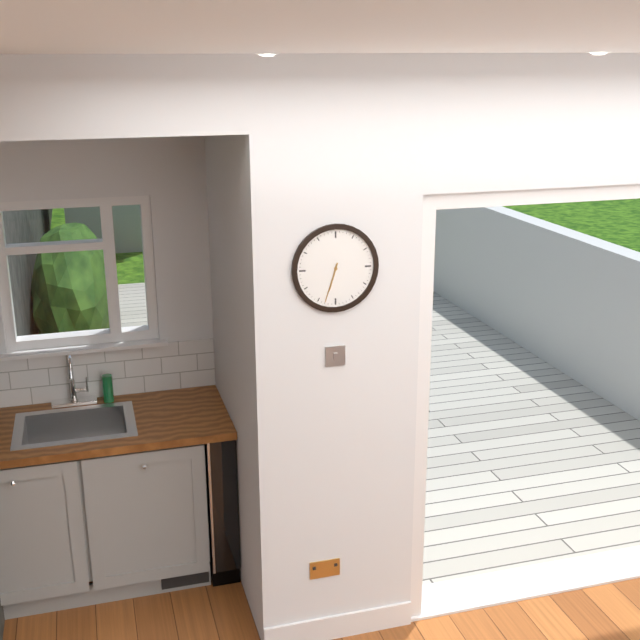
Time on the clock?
6:33
